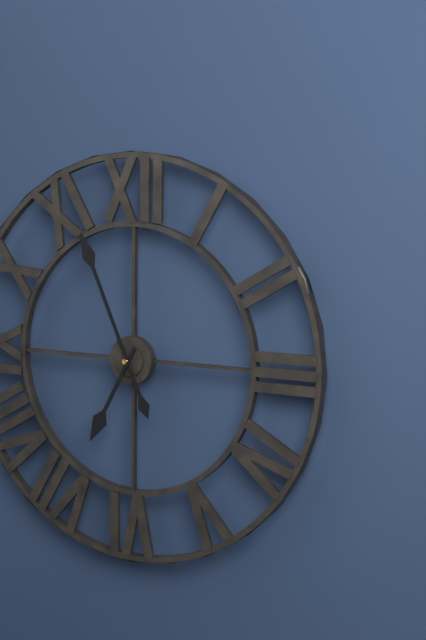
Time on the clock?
6:56
